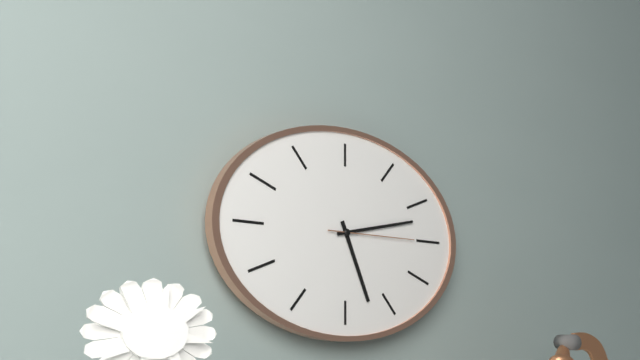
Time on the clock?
5:13:15
